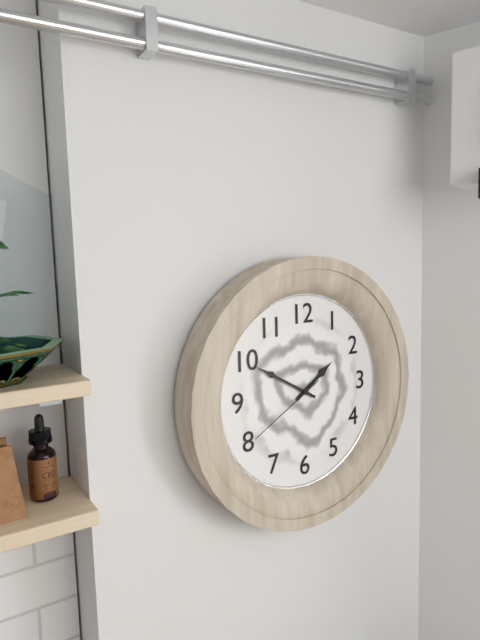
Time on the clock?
1:50:40
